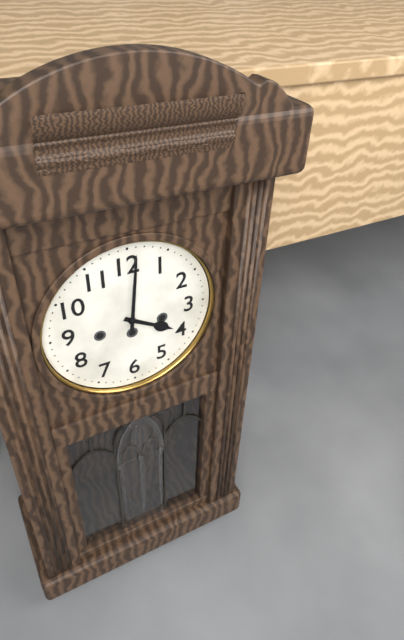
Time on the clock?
4:01
